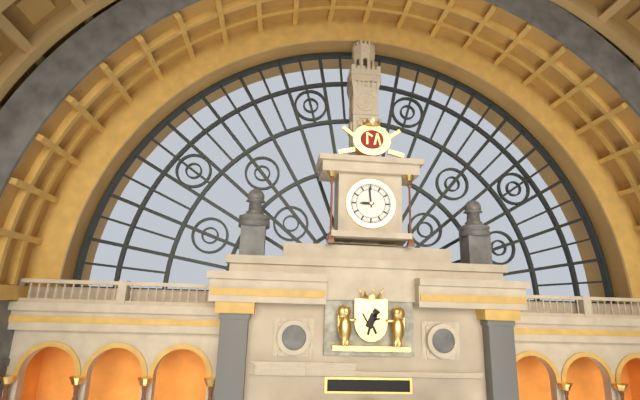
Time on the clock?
8:59
